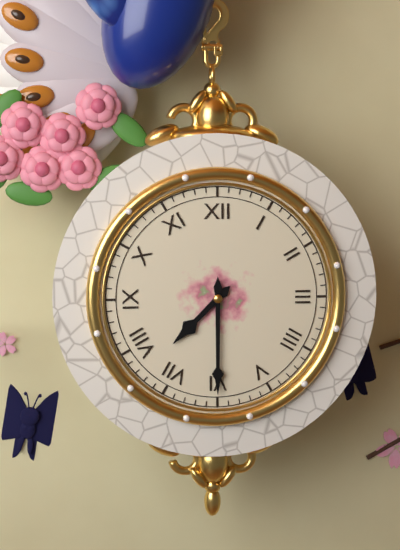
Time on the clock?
7:30
